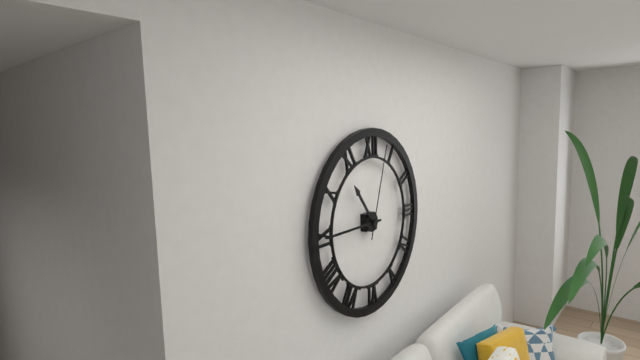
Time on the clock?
10:45:03
